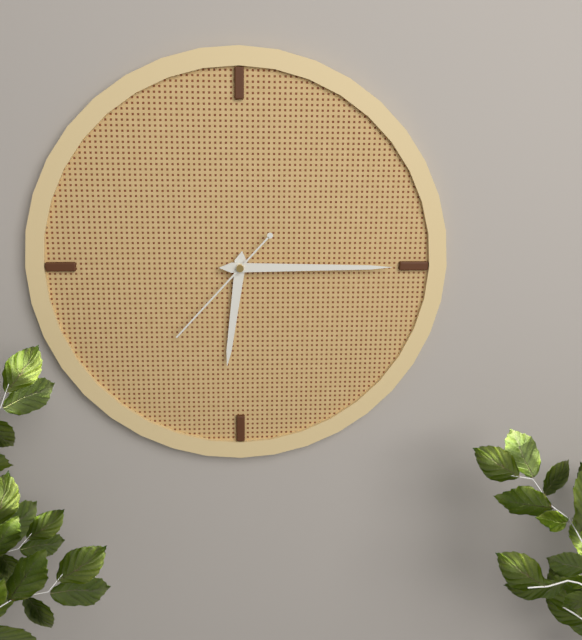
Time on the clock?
6:15:37
